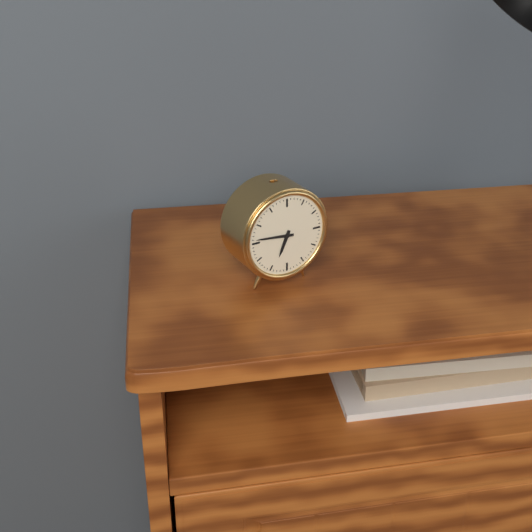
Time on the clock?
6:46
